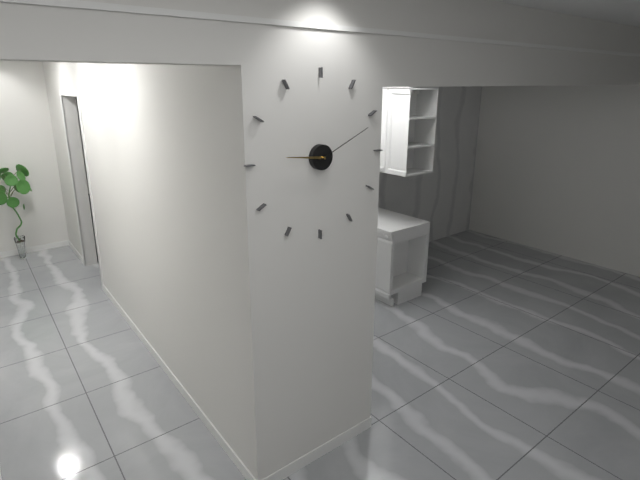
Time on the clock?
9:11
